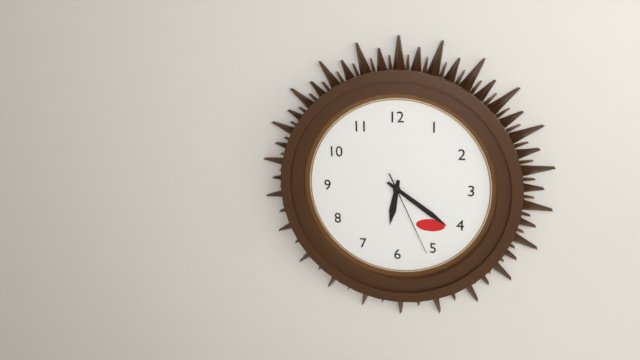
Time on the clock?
6:21:26
